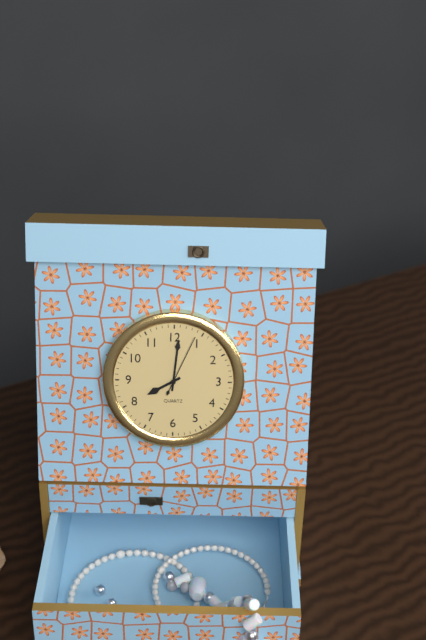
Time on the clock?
8:01:04
